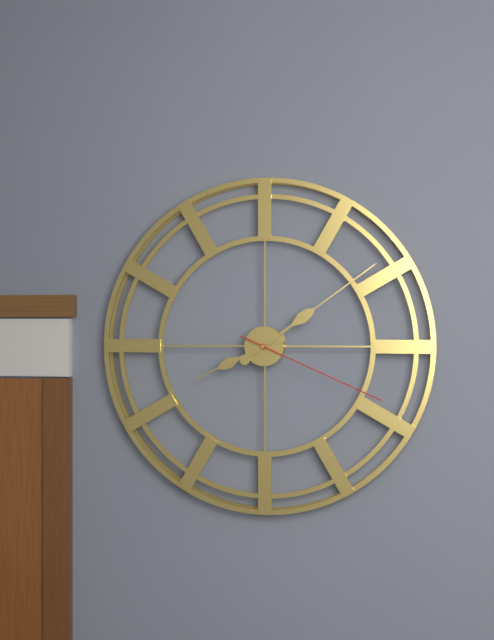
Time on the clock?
8:09:19
